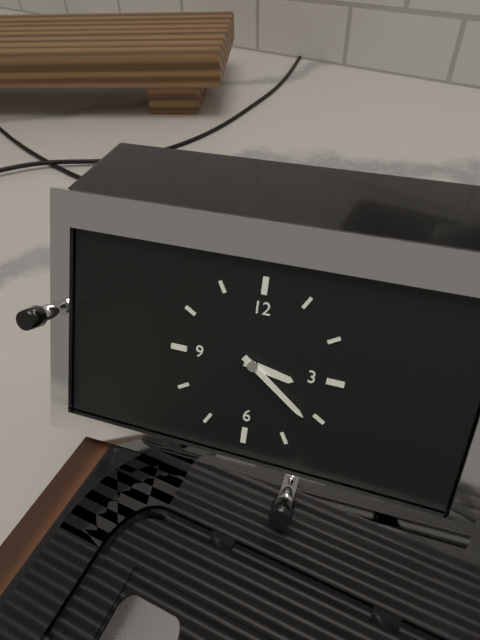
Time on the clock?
3:21
